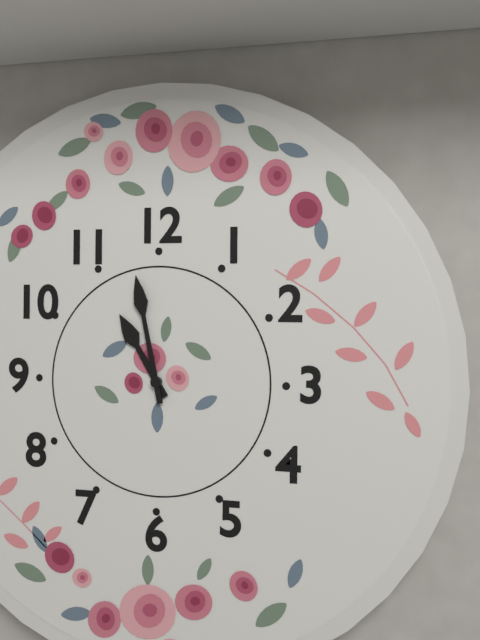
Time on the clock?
10:58
